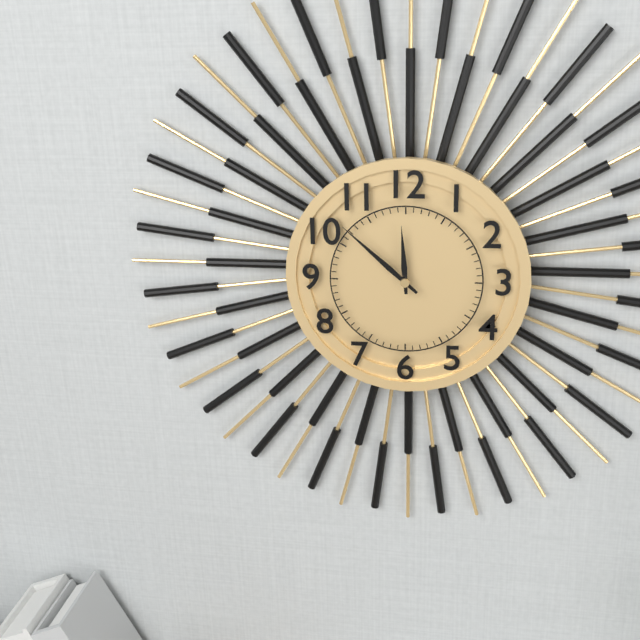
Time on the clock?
11:52
